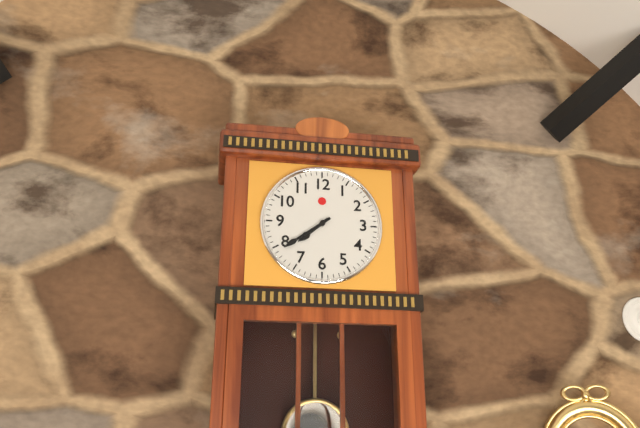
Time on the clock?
7:39
